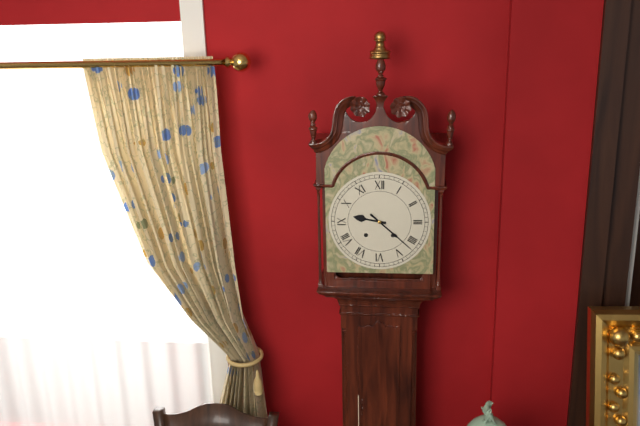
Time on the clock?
9:22
